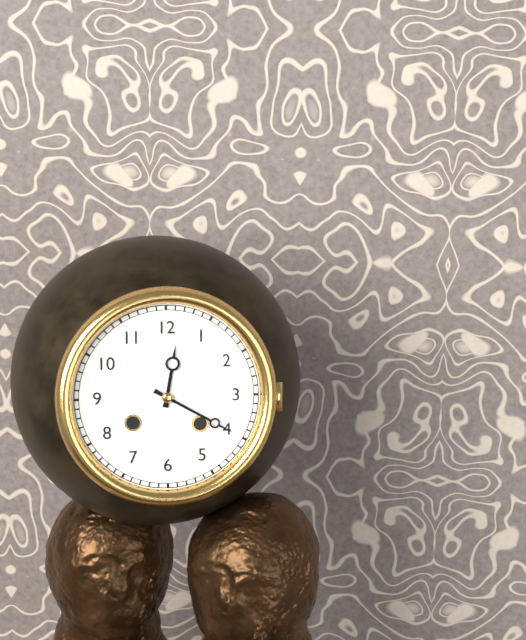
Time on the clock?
12:20
